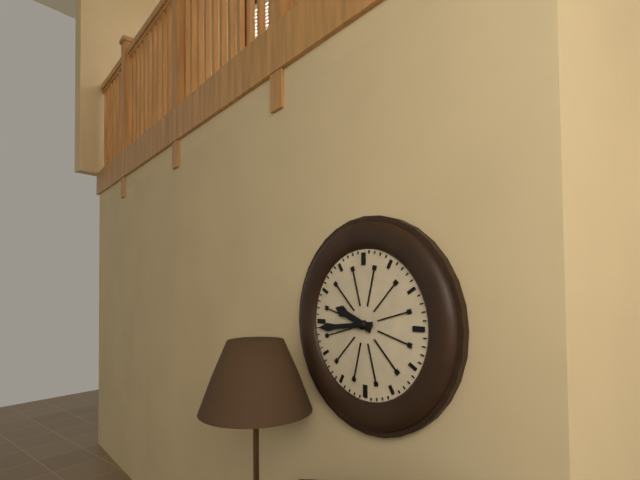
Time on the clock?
9:44
